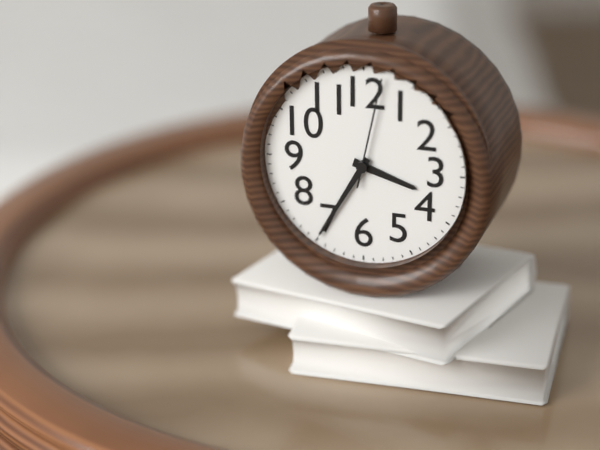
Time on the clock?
3:35:02
